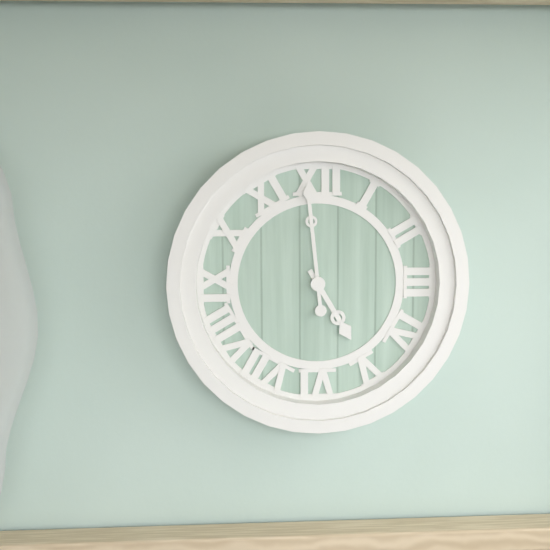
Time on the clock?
4:59
